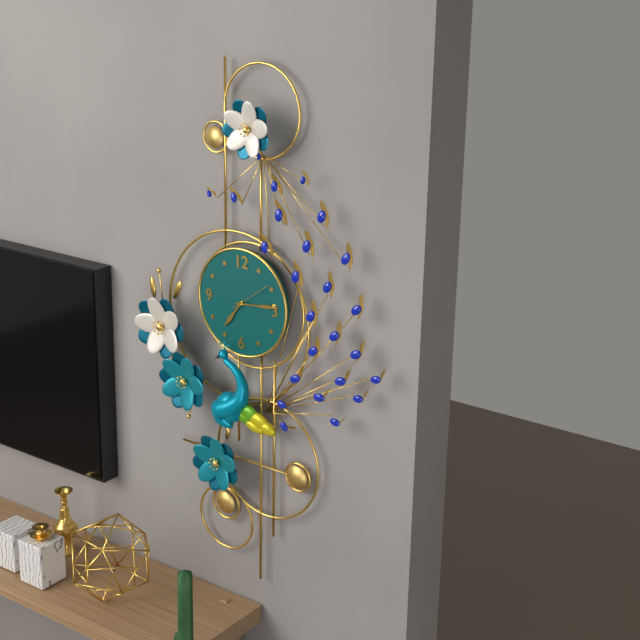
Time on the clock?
7:14
